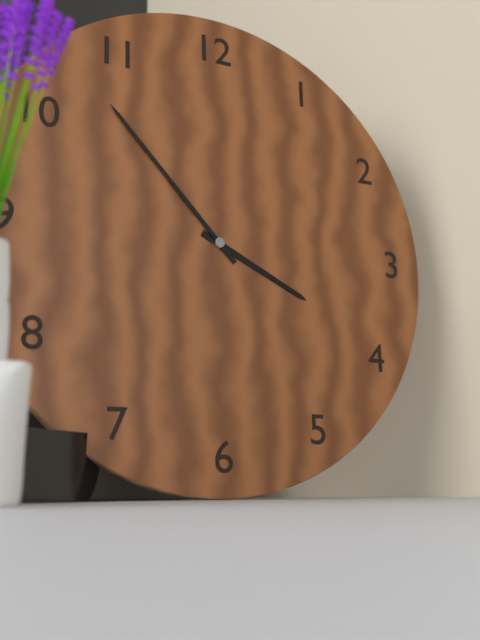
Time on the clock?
3:53
